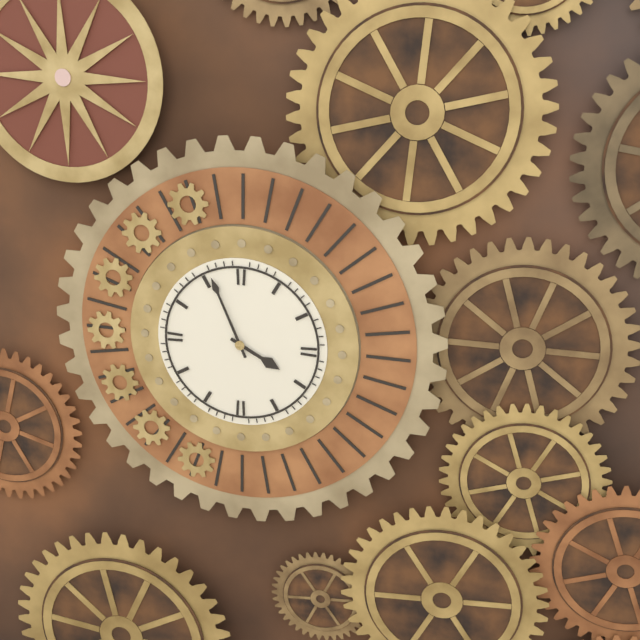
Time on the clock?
3:56
